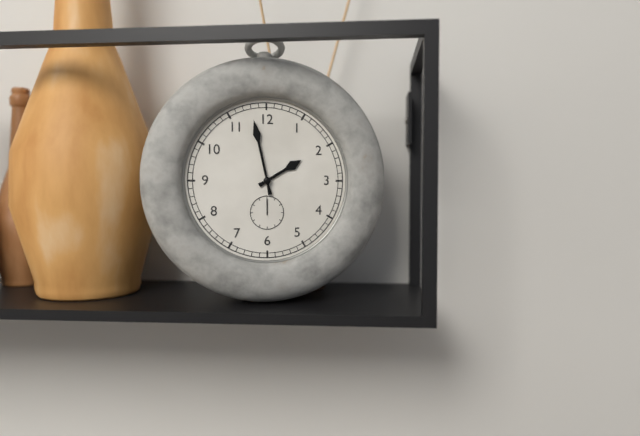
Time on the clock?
1:58
